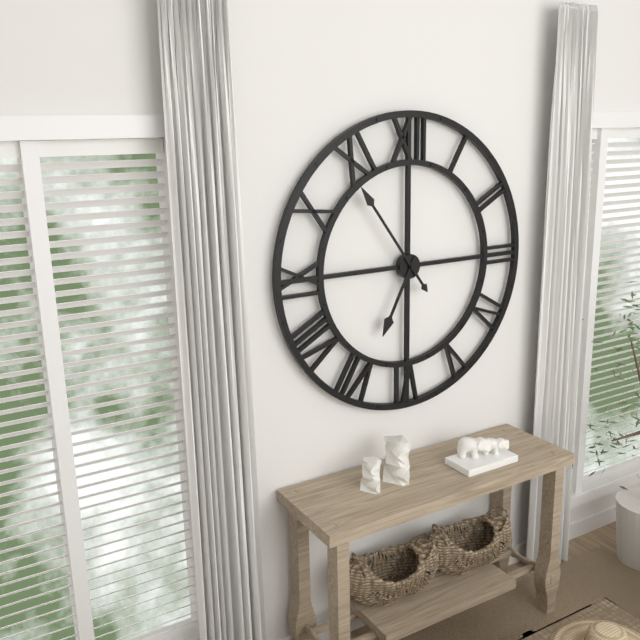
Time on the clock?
6:54
